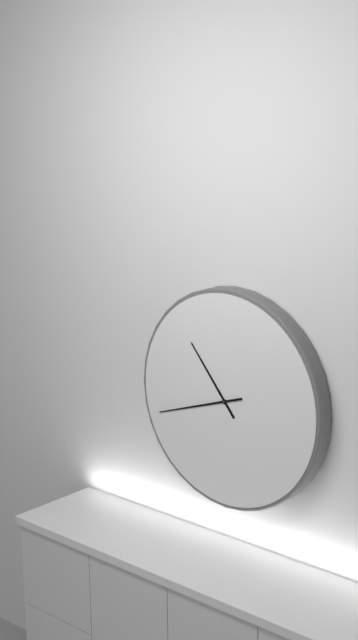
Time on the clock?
10:42
